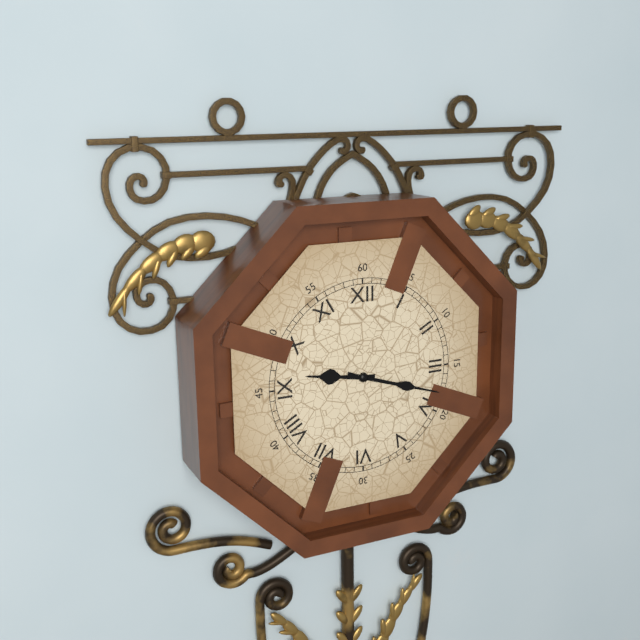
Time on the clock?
9:18
